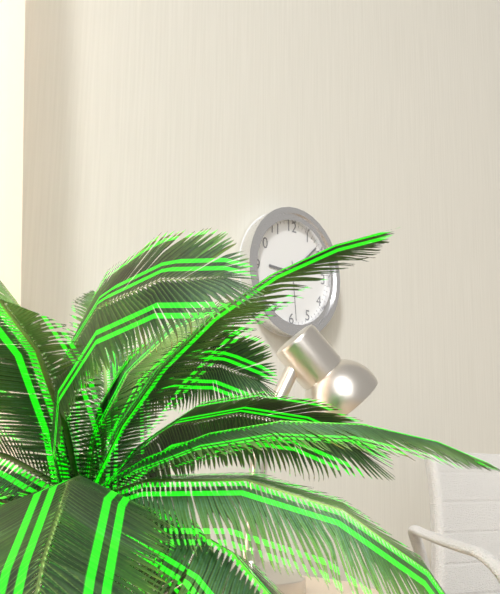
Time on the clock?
9:08:29
